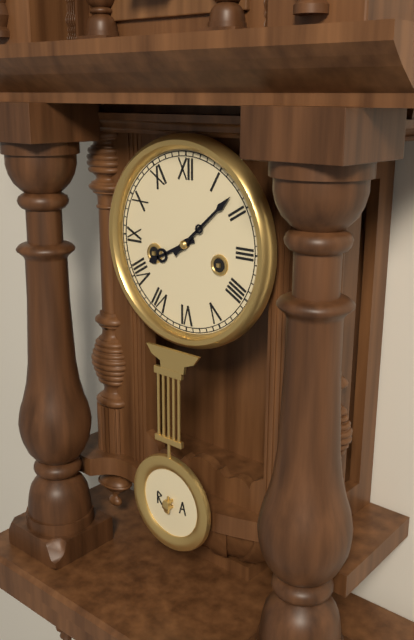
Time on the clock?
8:08
